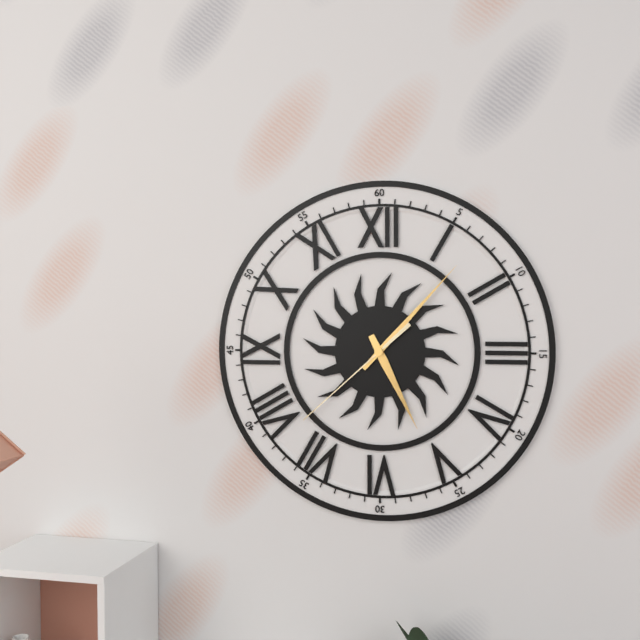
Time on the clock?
5:07:38
